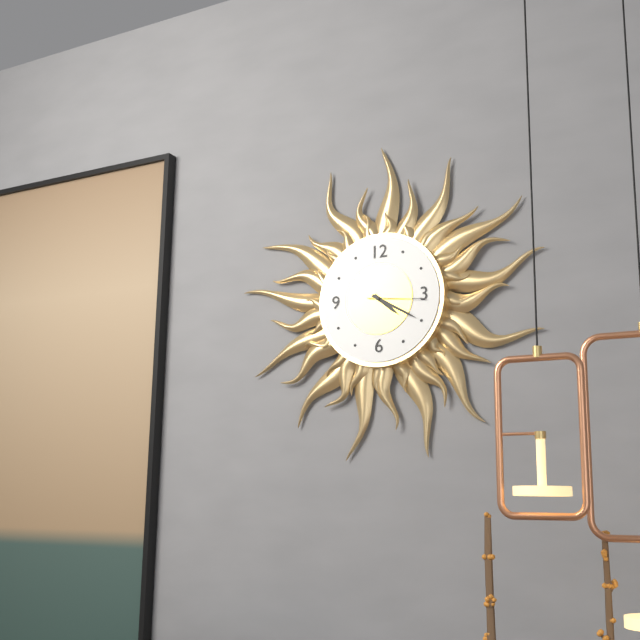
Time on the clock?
4:20:16
